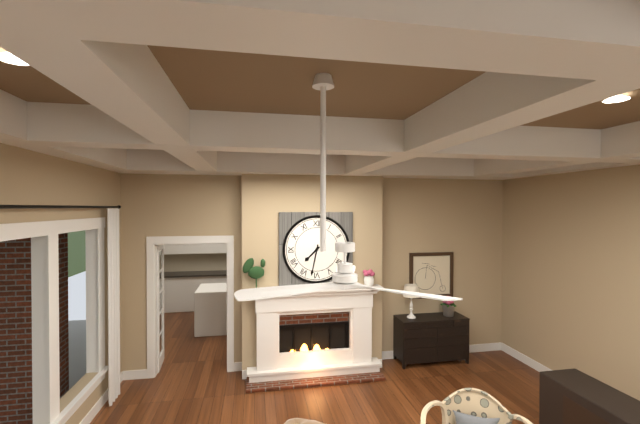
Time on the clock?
7:32
